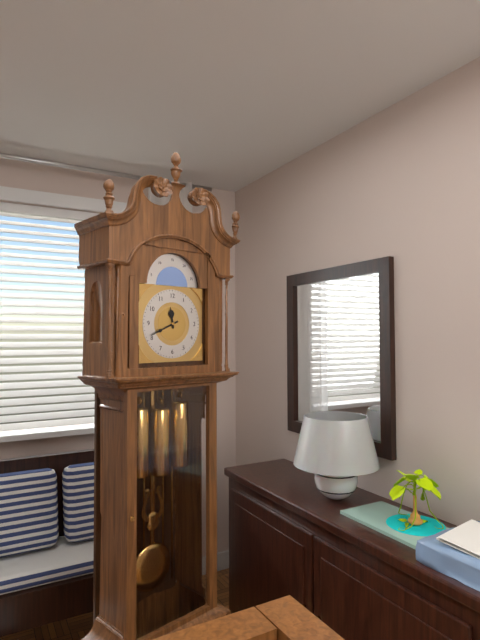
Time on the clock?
11:41
